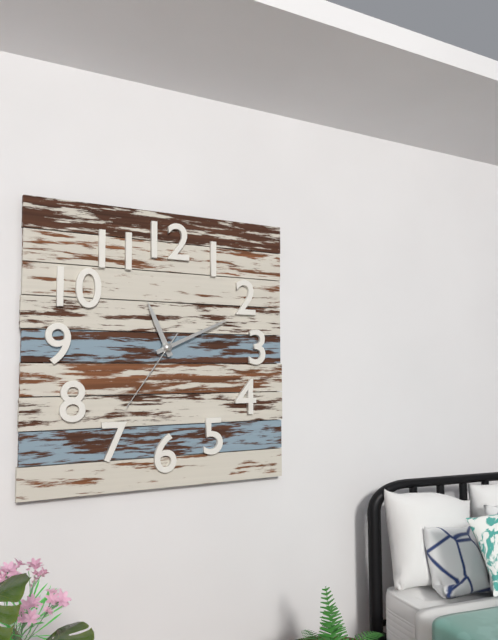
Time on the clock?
11:11:36
